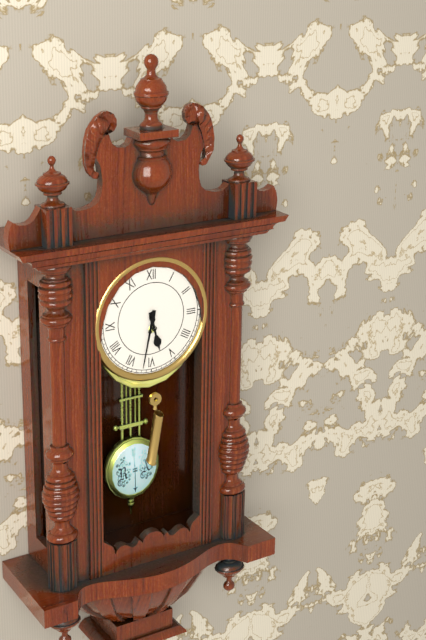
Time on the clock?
5:32
